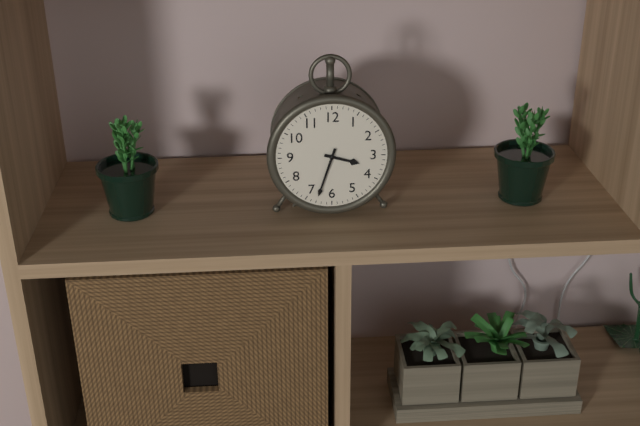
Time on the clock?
3:33
